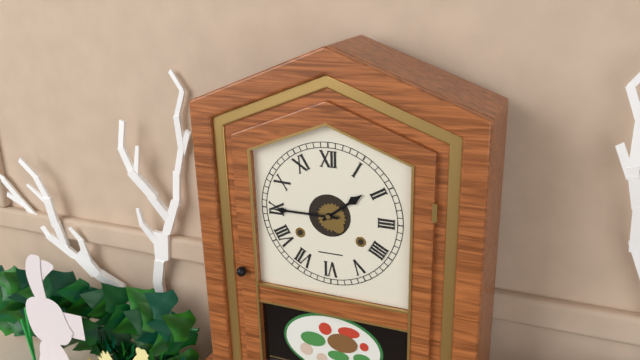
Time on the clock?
1:45
